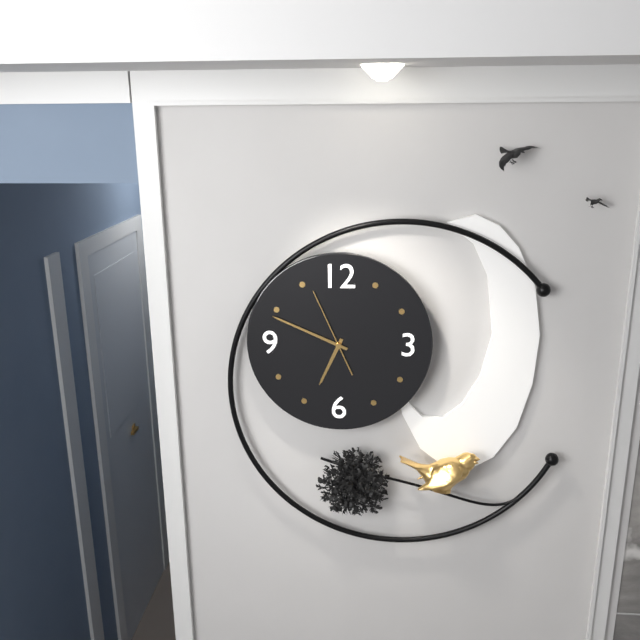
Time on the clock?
6:49:56
